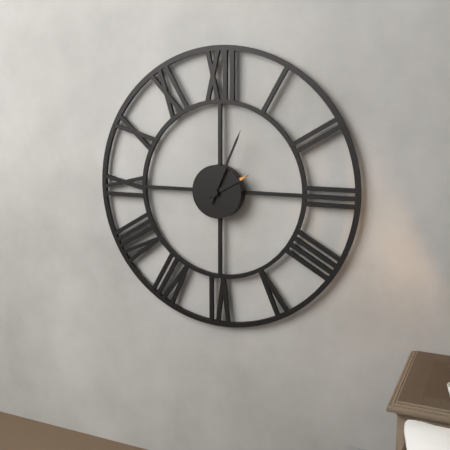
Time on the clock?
2:04
